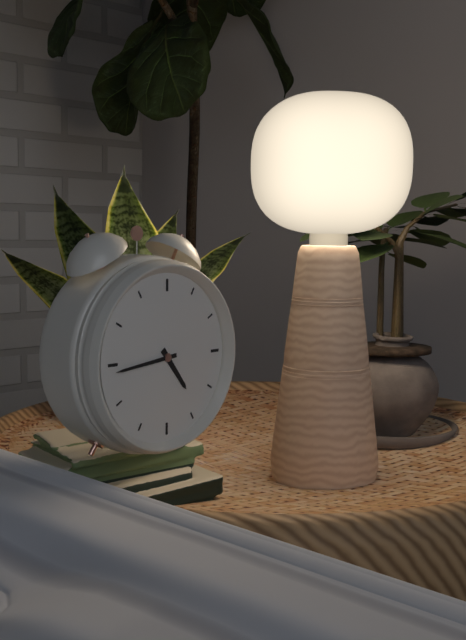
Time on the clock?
4:44
